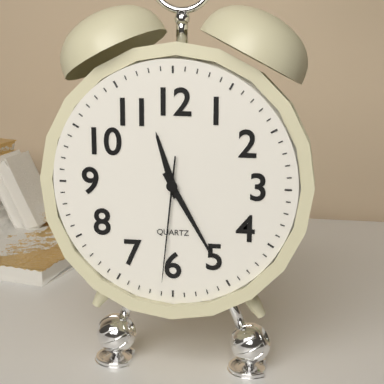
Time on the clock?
11:25:31
